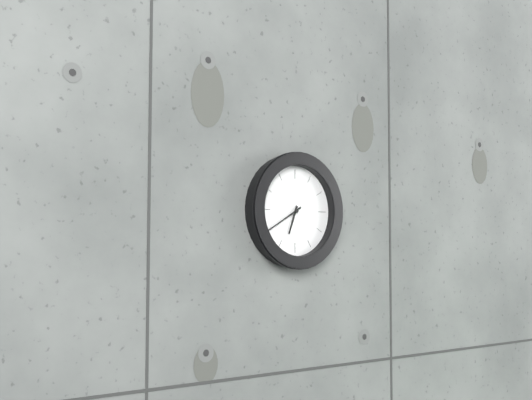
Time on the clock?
6:40
